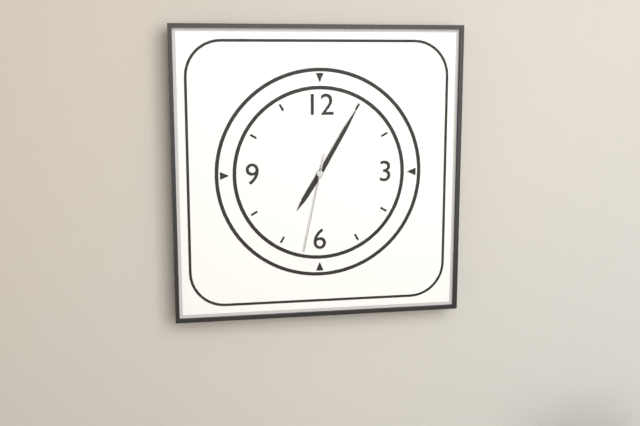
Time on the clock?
7:05:32
